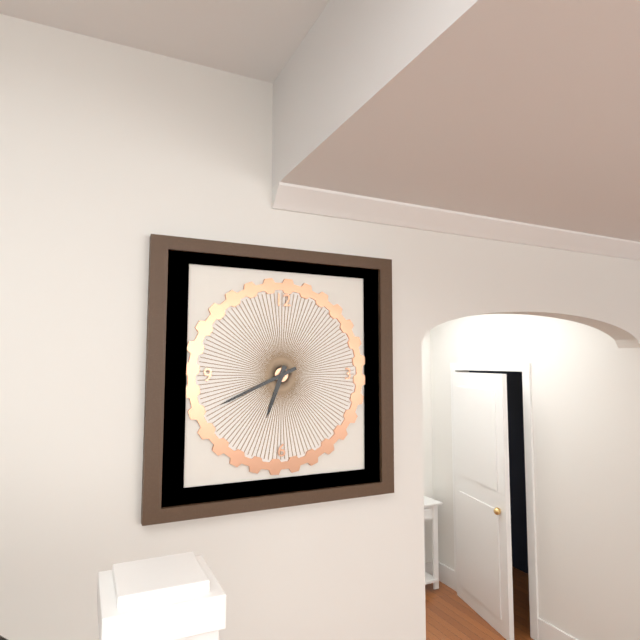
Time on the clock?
6:41
